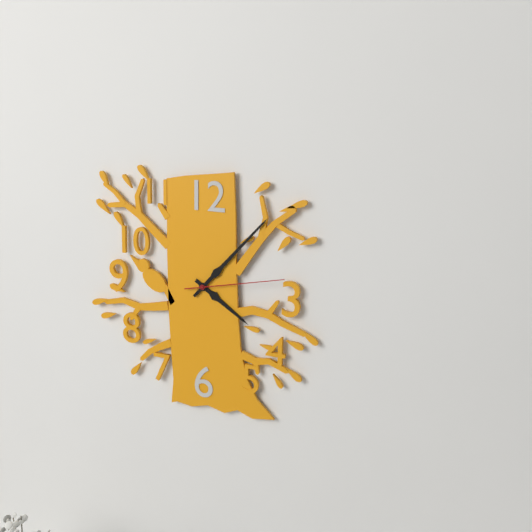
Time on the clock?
4:07:13
